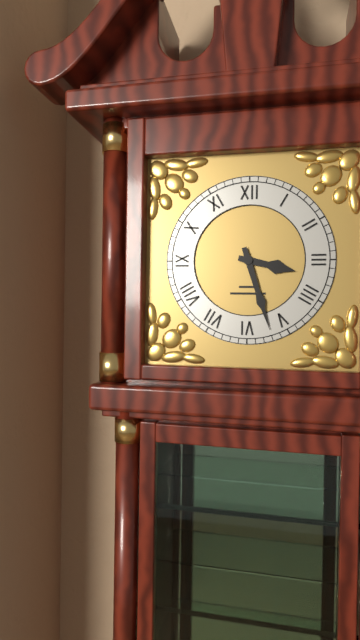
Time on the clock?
3:27
